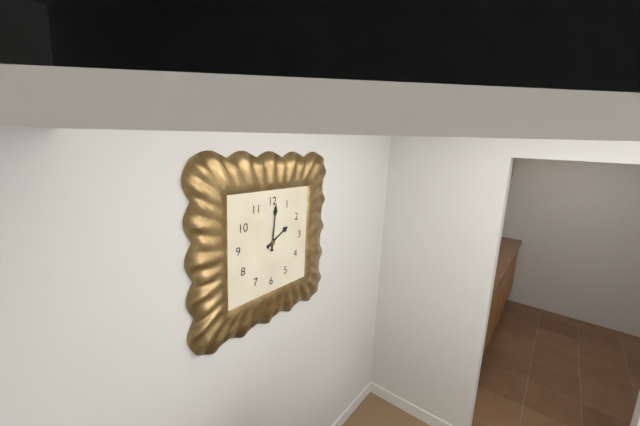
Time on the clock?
2:01
